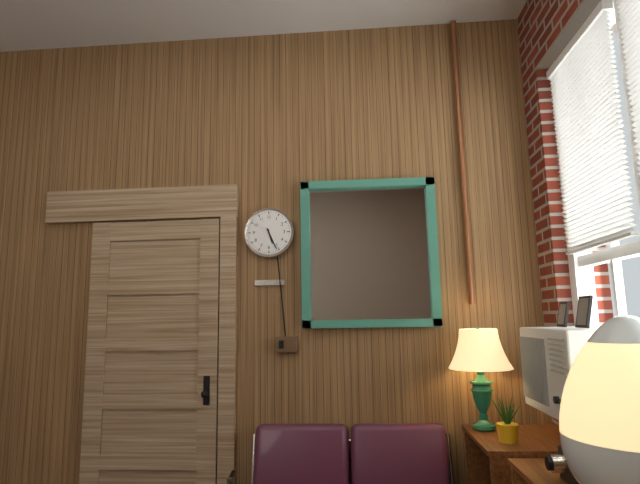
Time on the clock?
5:26
